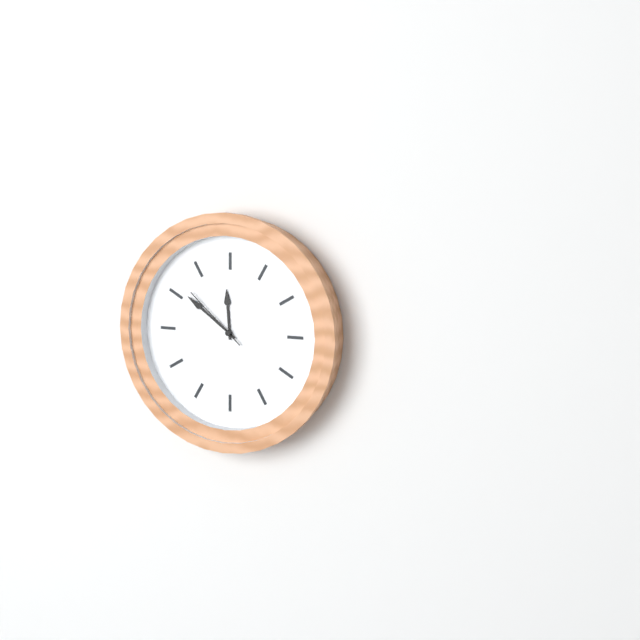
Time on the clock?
11:51:52
